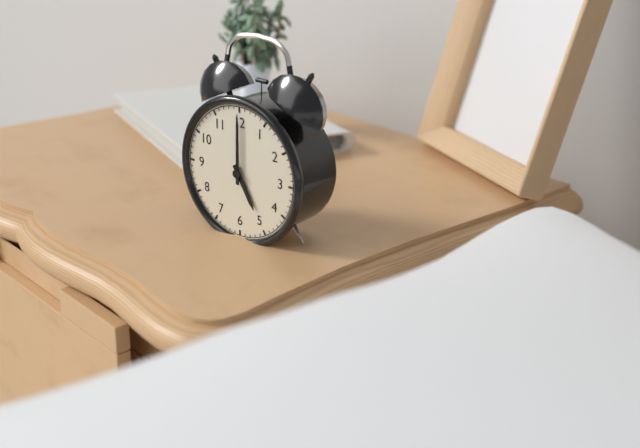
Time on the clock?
5:00
